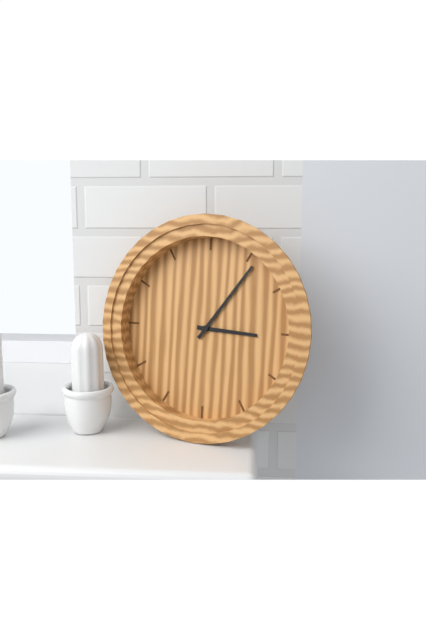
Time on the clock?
3:06
